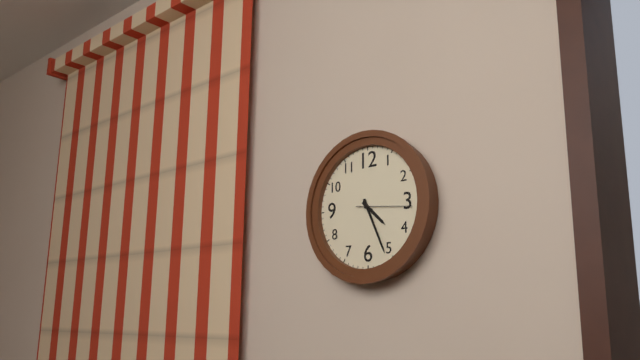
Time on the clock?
4:26:16
